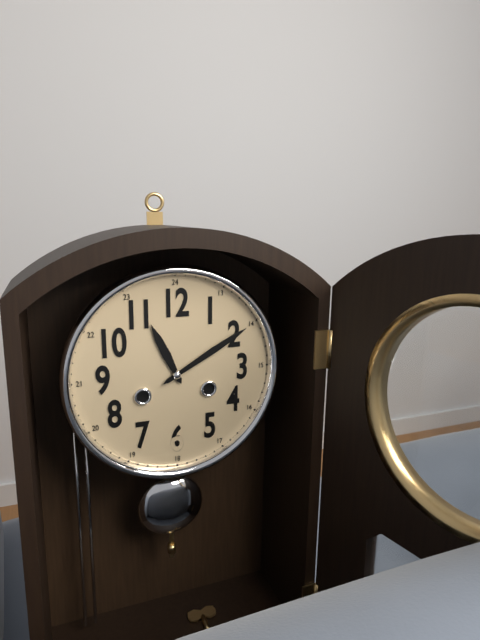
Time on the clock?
11:10
